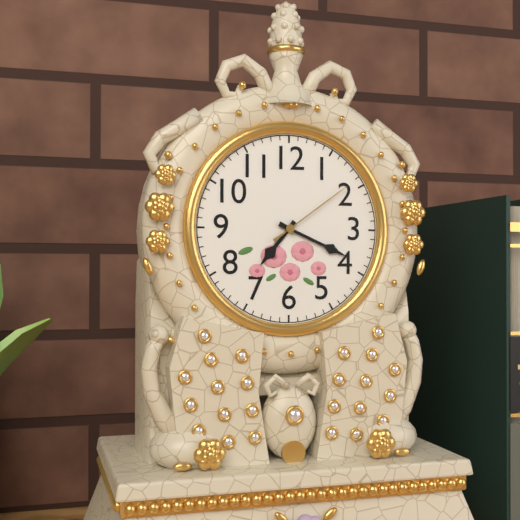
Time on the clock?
7:19:09
